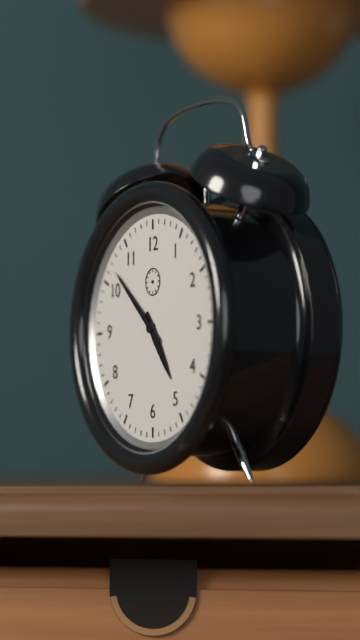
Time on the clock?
4:52
